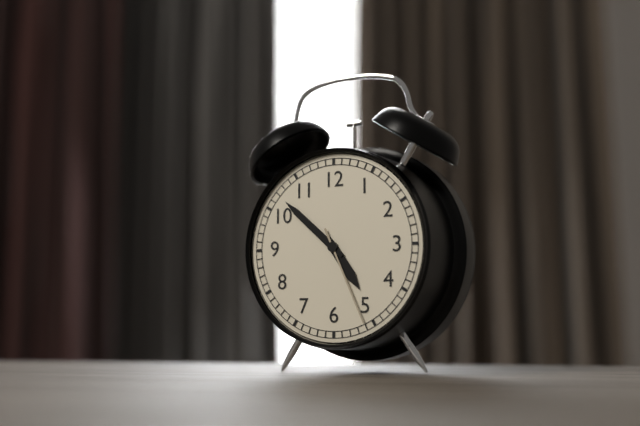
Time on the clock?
4:52:26
